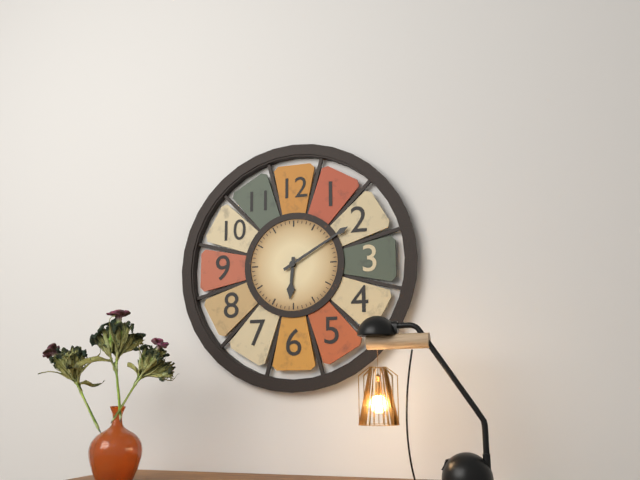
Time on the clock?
6:10
